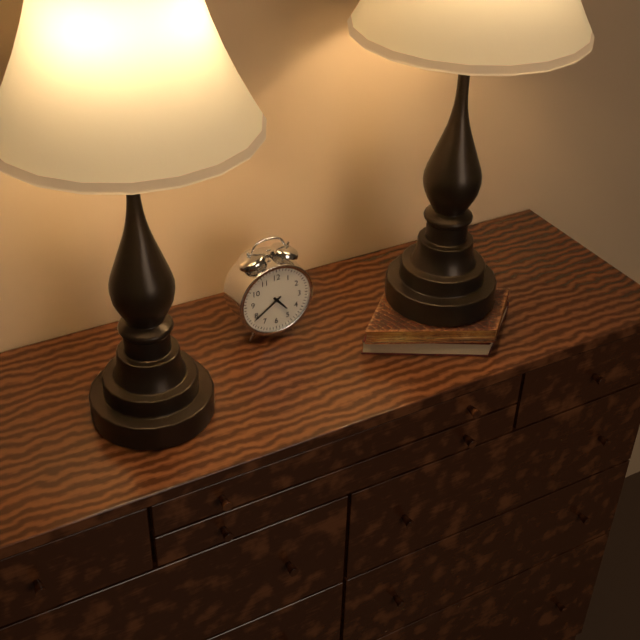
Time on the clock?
4:39
